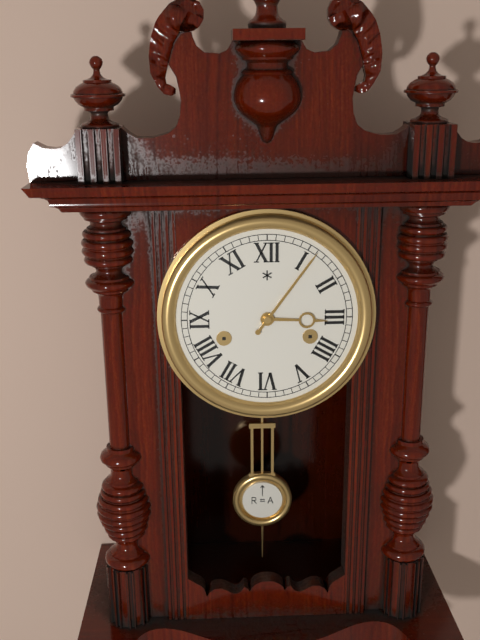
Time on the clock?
3:06
